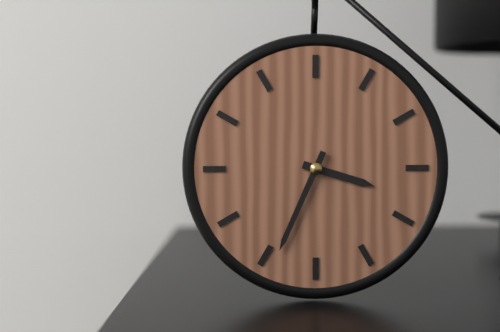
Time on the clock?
3:34
